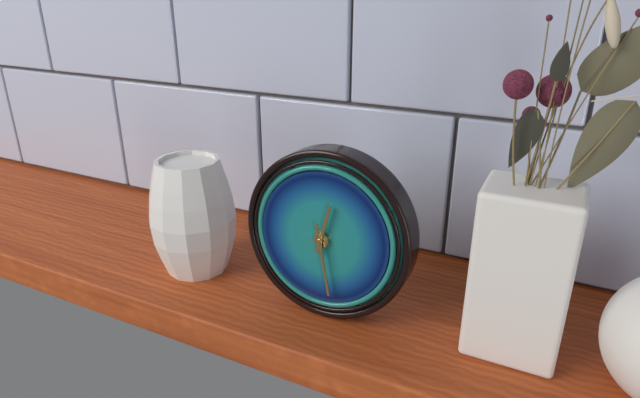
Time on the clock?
12:28
